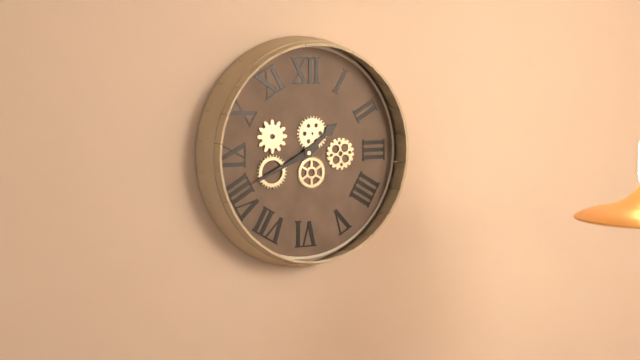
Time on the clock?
1:41
